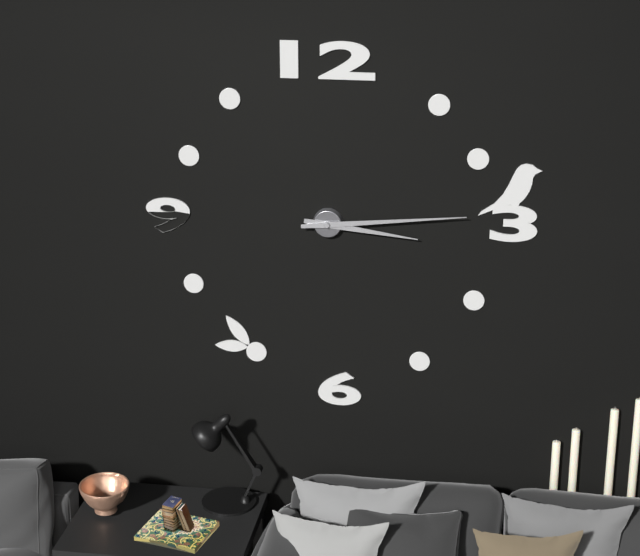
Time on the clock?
3:14
